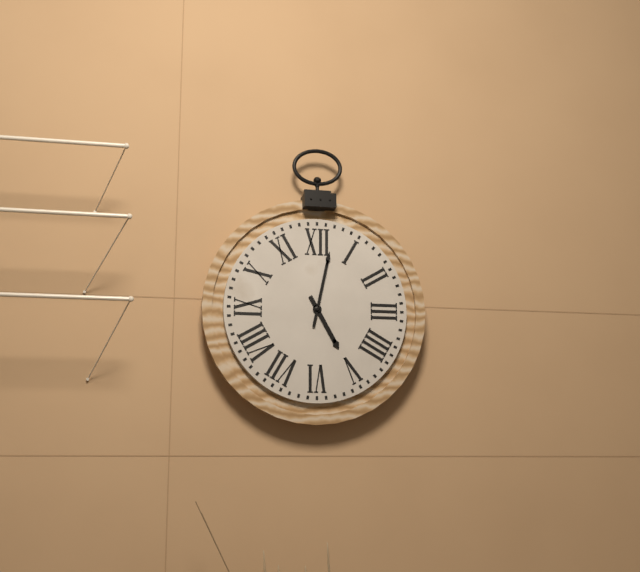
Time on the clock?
5:02
